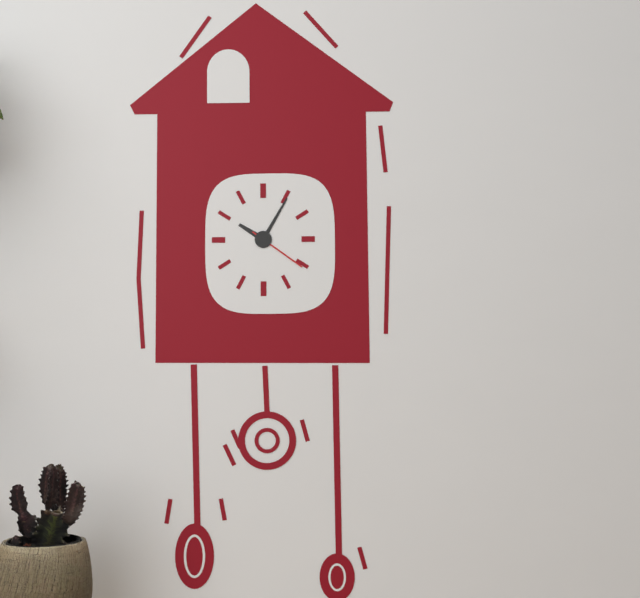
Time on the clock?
10:05:21
